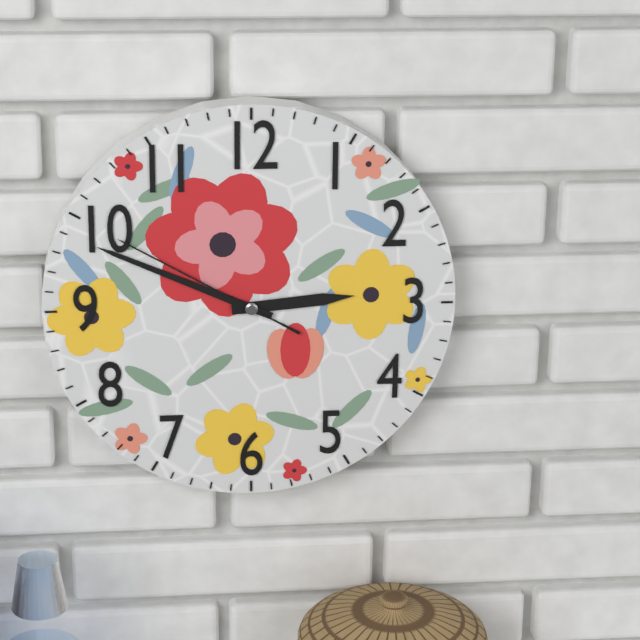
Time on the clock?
2:49:50
